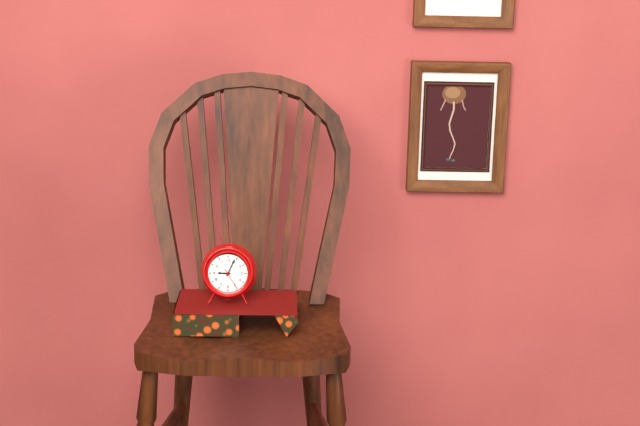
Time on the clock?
9:04
